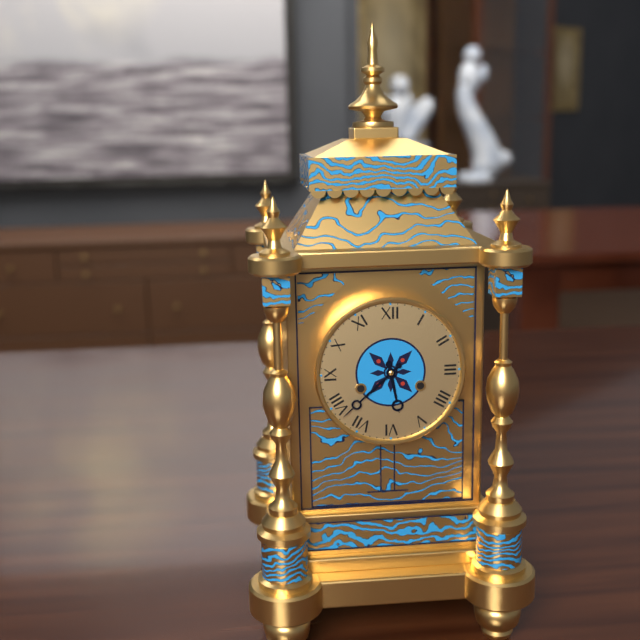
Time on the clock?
5:38
